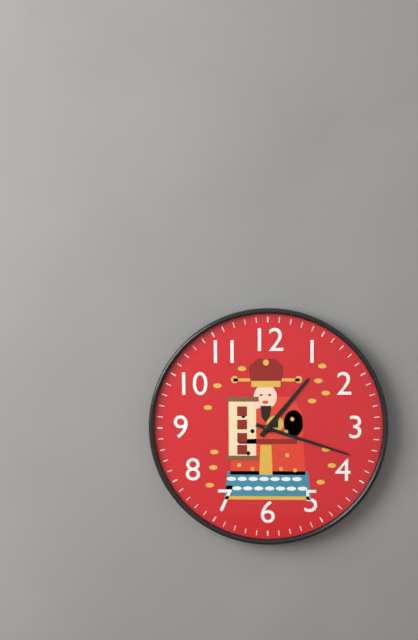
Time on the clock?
1:18
